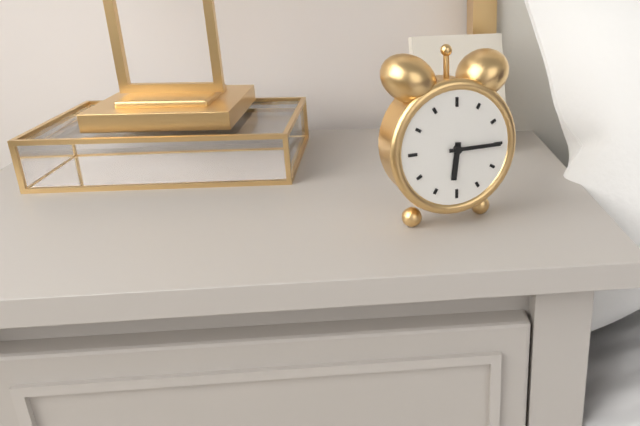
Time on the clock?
6:15
